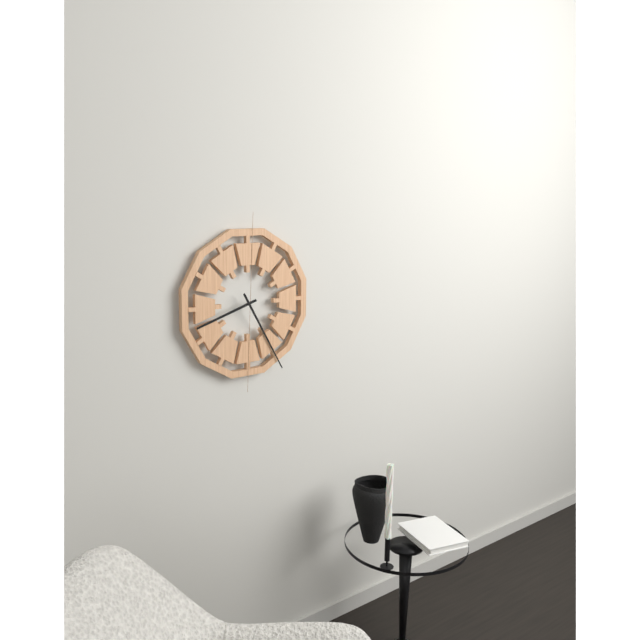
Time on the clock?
8:25
